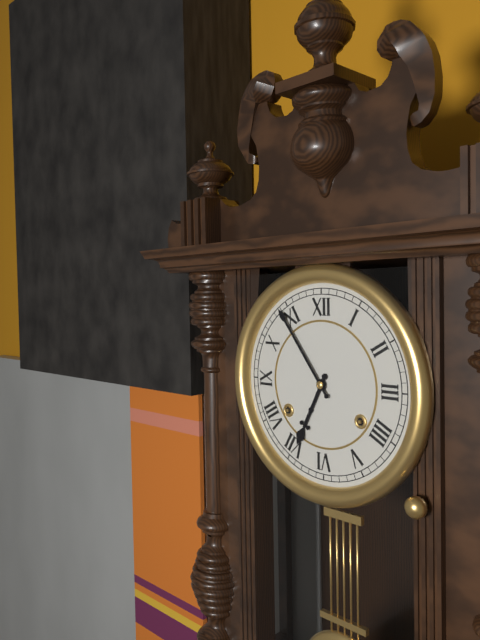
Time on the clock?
6:54
